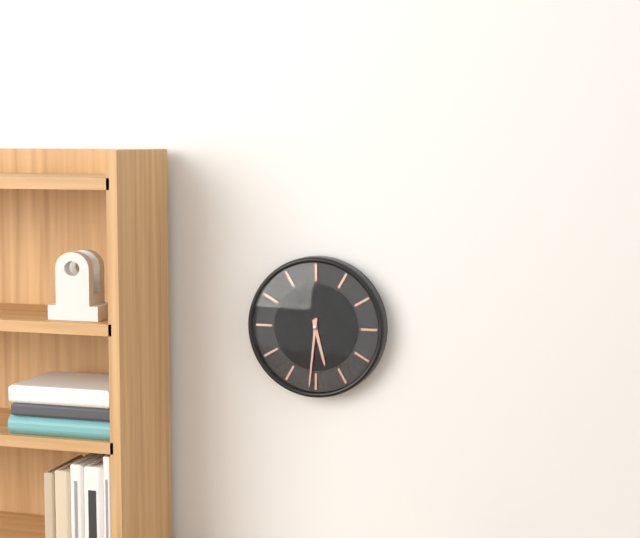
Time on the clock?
5:31
